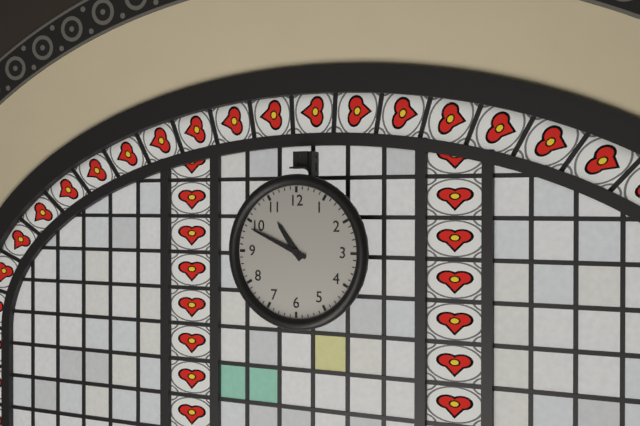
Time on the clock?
10:49
